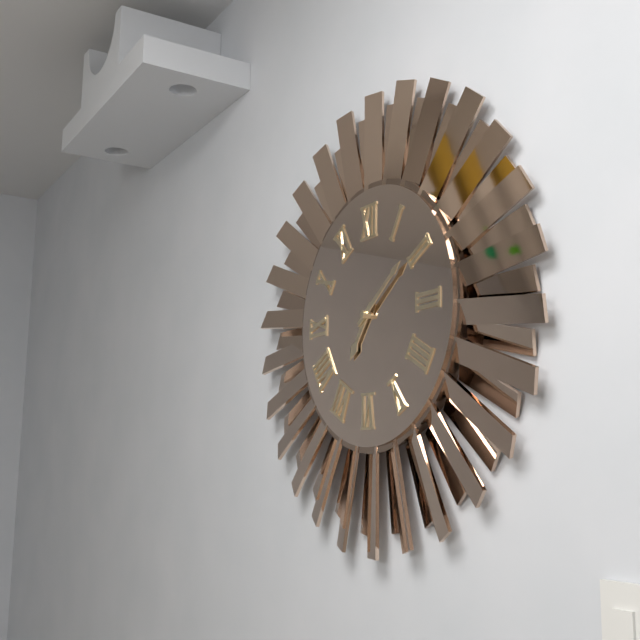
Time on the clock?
7:09
